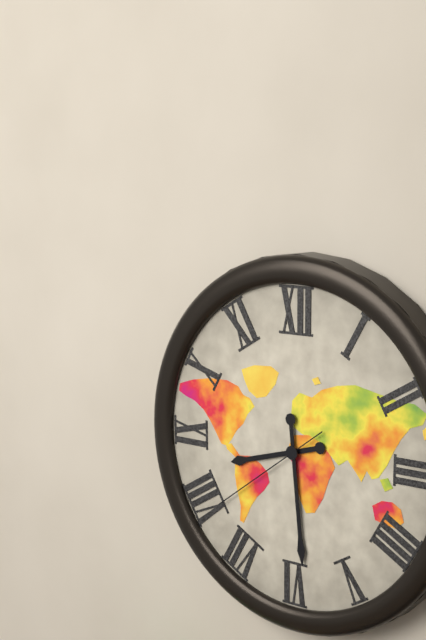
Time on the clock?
8:29:39
